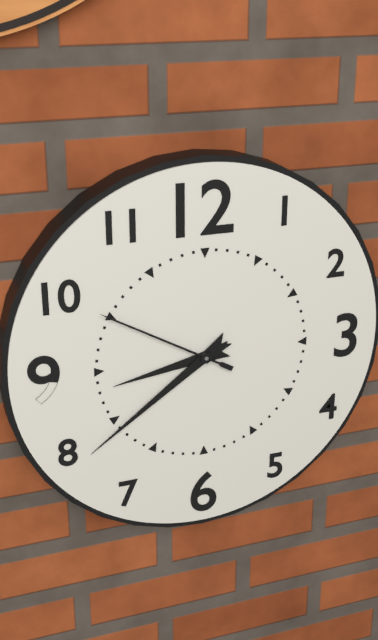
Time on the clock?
8:39:50
